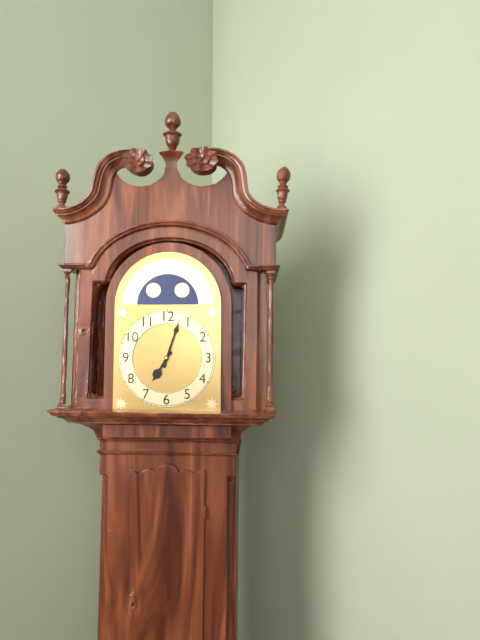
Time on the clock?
7:03
